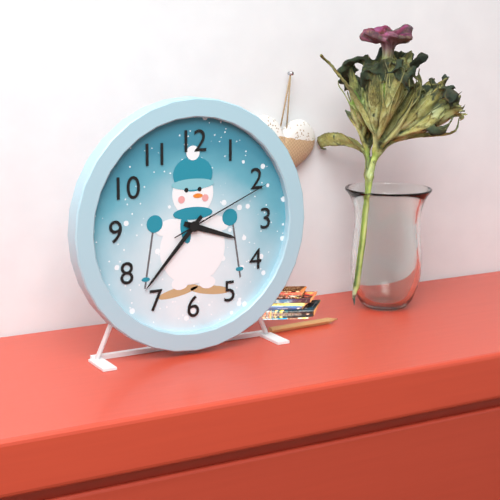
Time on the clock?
3:37:11
